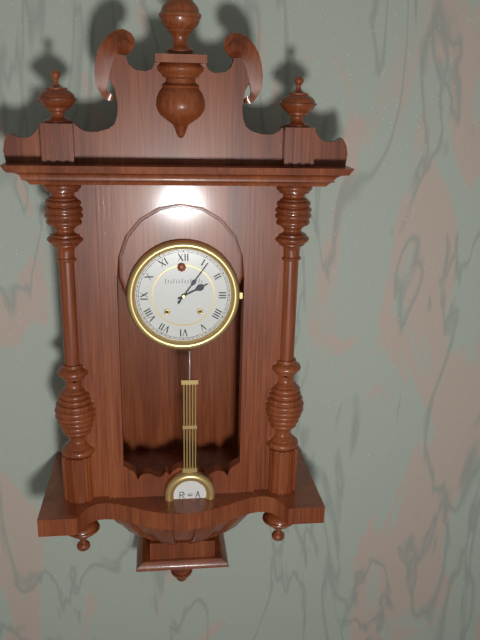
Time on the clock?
2:06
